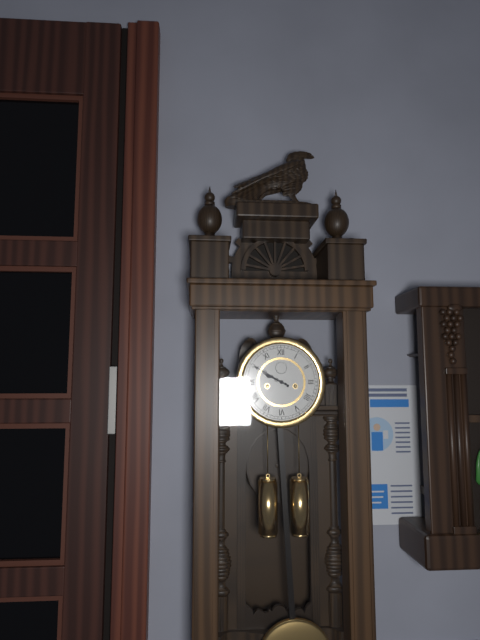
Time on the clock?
9:50
